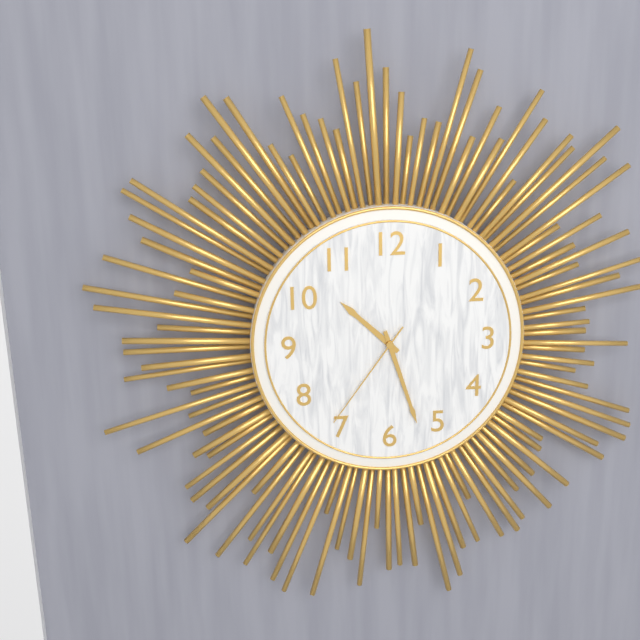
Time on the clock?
10:27:36
